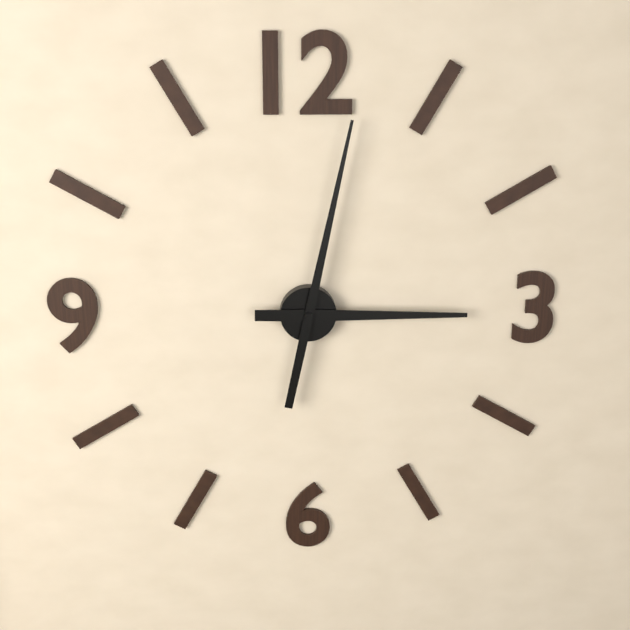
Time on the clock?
3:02
